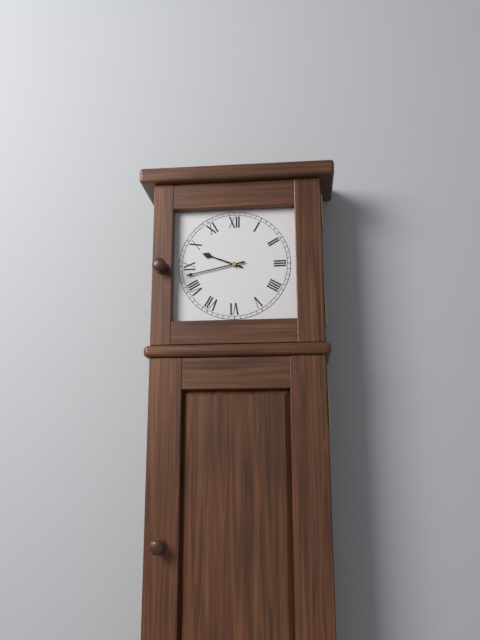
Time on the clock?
9:43
